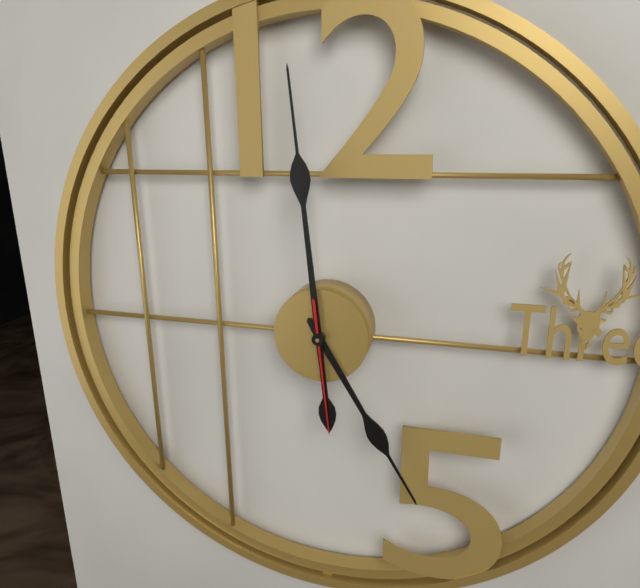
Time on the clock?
4:59:29
